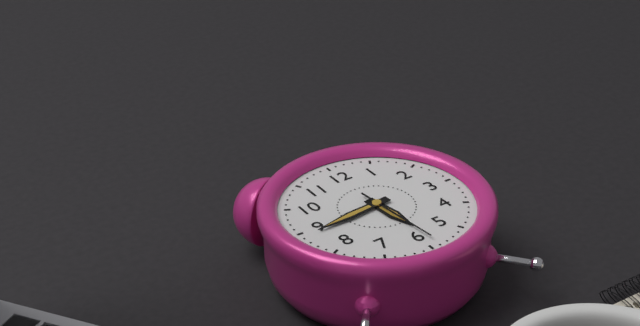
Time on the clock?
5:44:29
